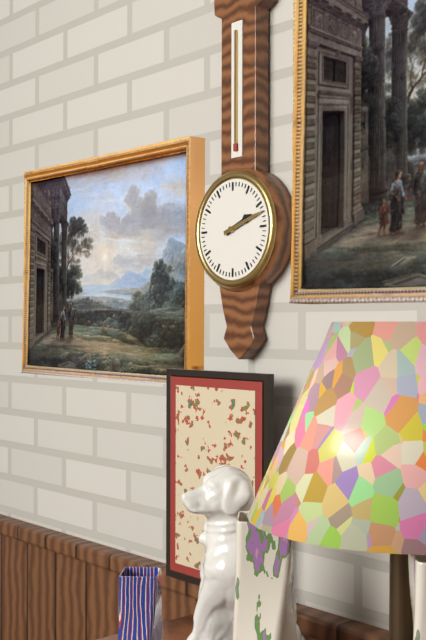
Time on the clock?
2:12
